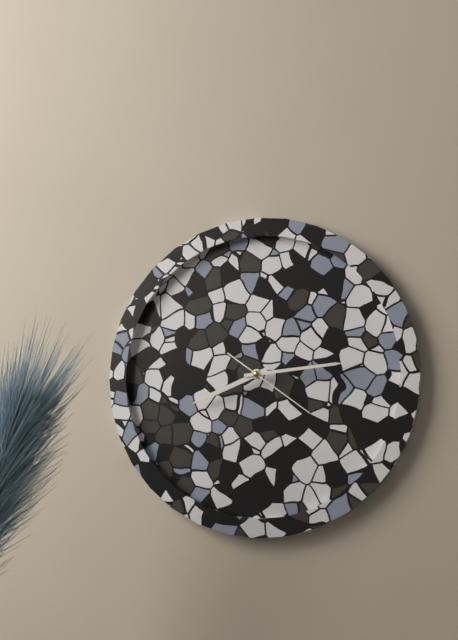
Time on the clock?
8:14:21
